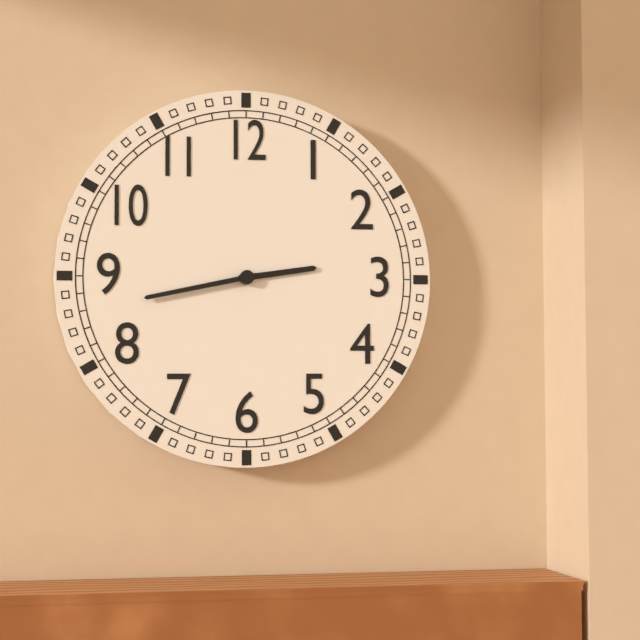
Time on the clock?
2:43
